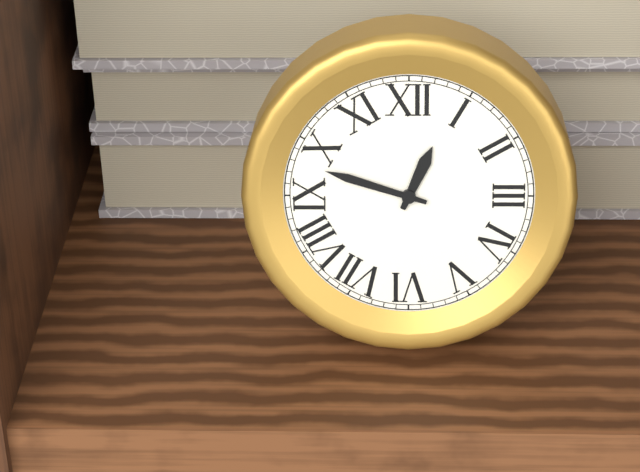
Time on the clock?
12:48
